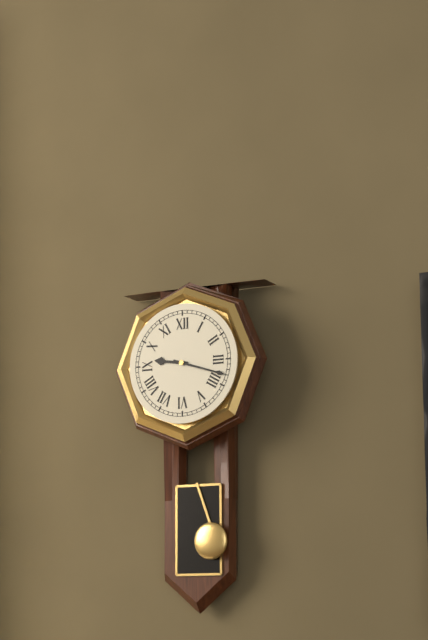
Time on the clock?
9:18
